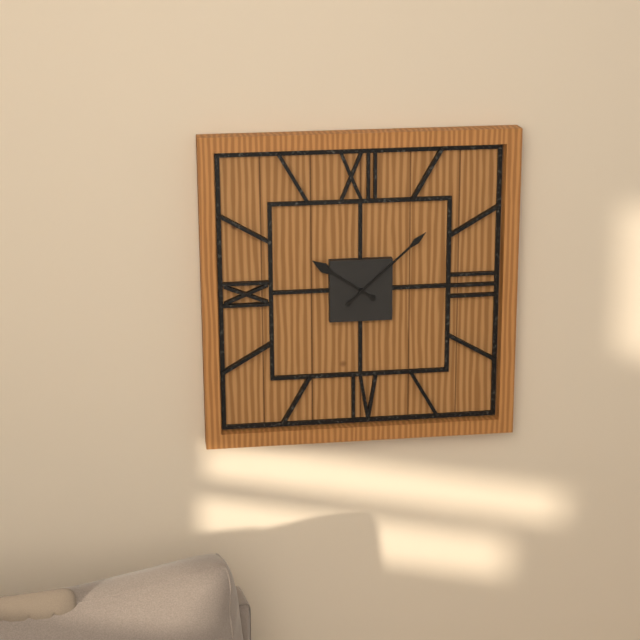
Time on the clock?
10:08
